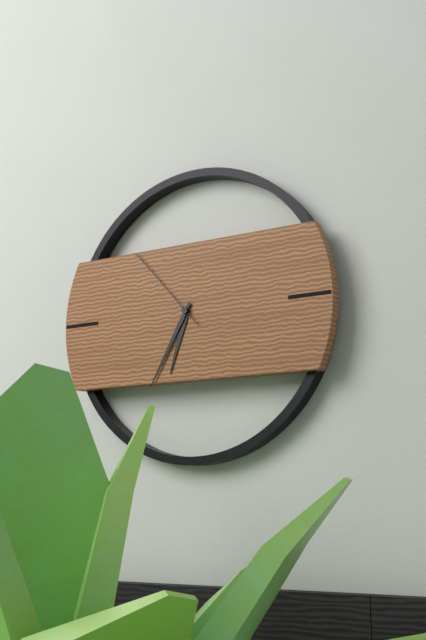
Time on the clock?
6:35:53
